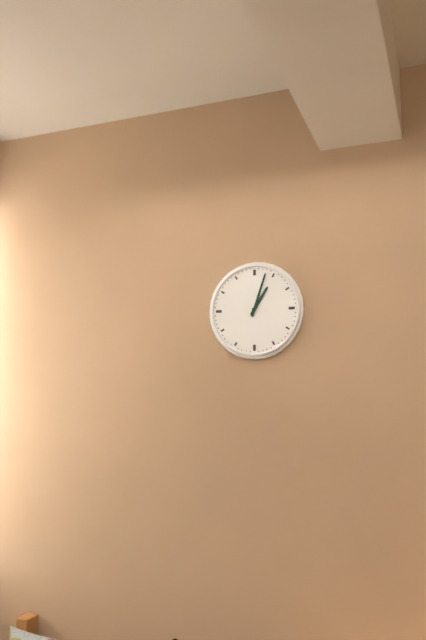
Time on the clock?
1:03
